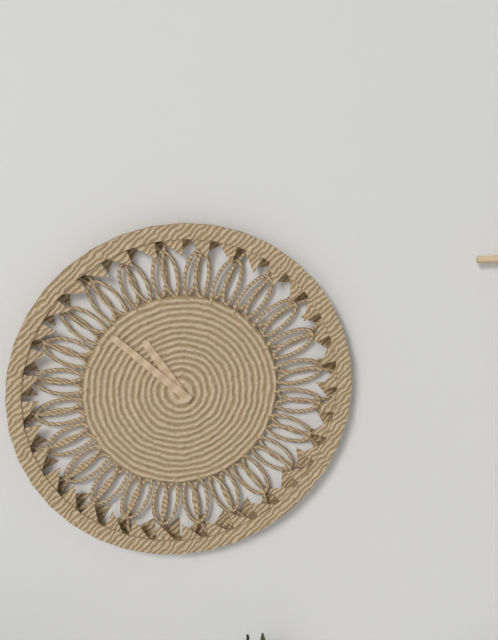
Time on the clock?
10:52
